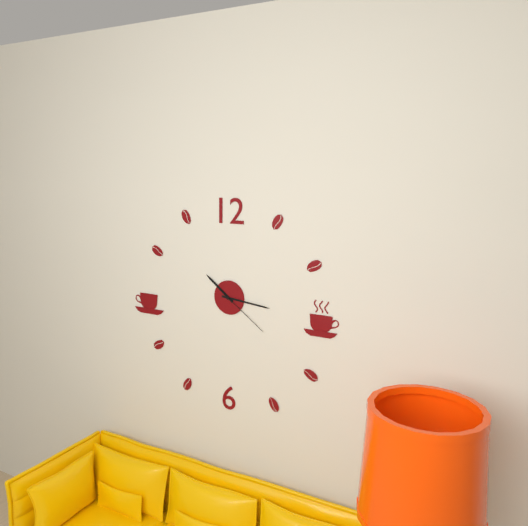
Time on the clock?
10:16:21
